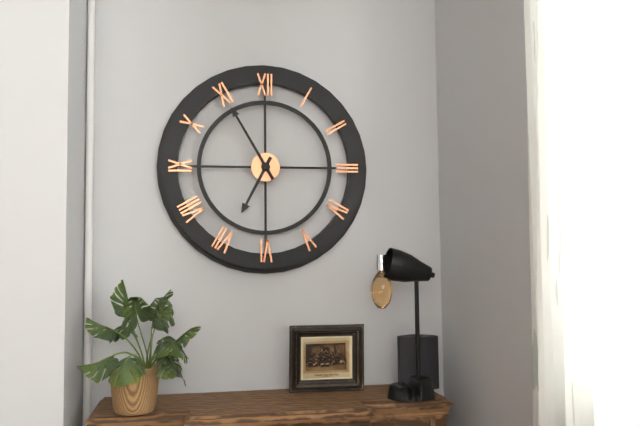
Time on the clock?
6:55
